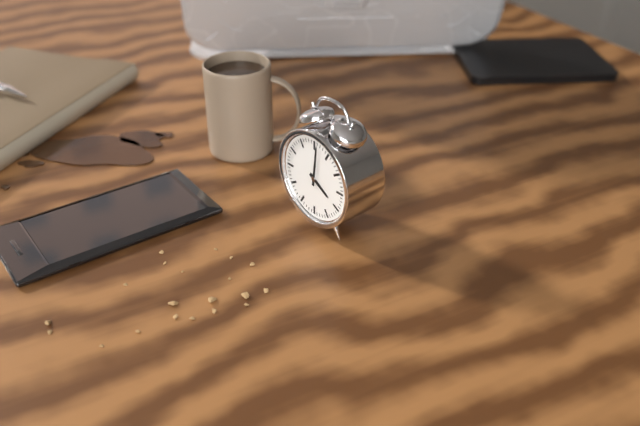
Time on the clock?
4:01
